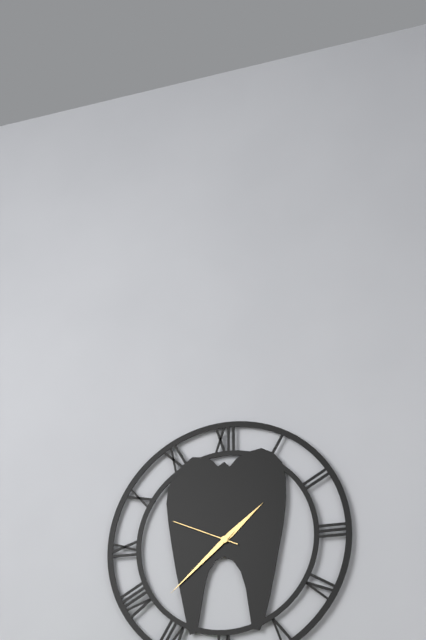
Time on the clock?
1:38:49
